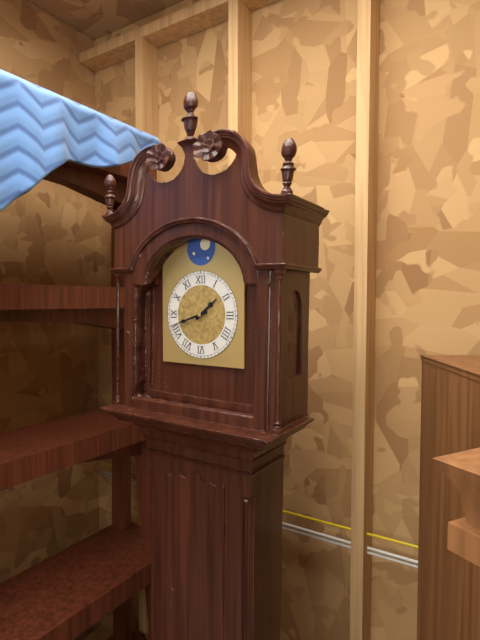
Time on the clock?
1:42
